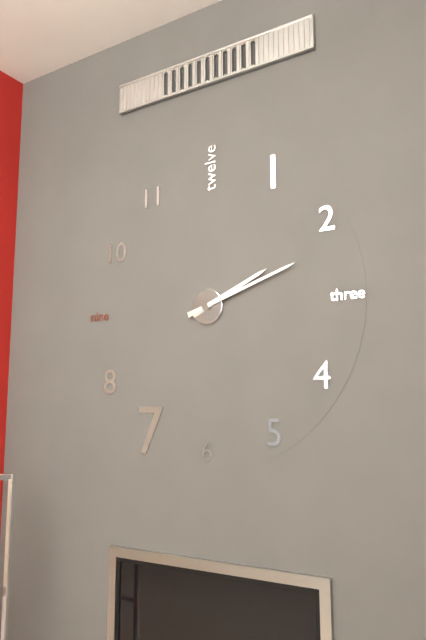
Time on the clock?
2:12
